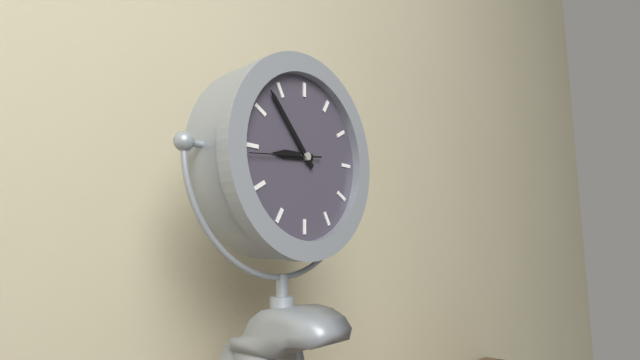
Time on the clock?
8:53:44
